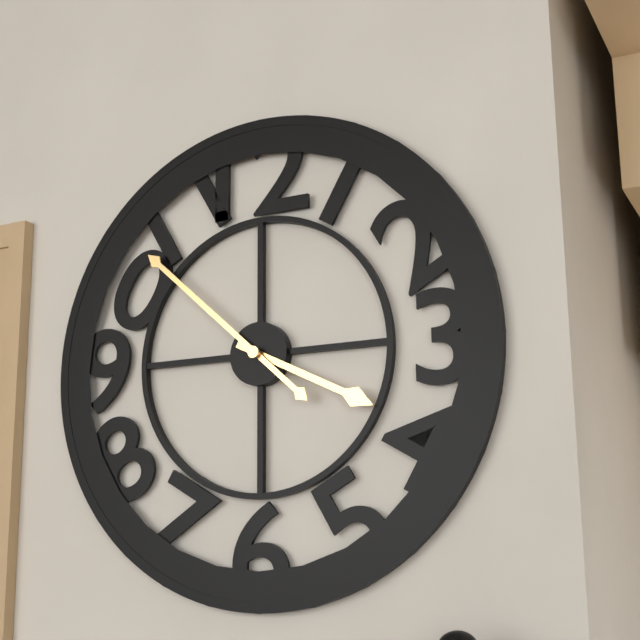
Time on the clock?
3:52
